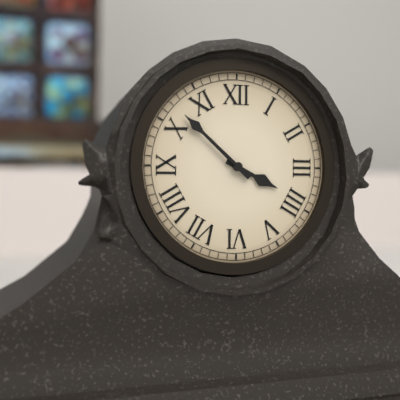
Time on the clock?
3:52
